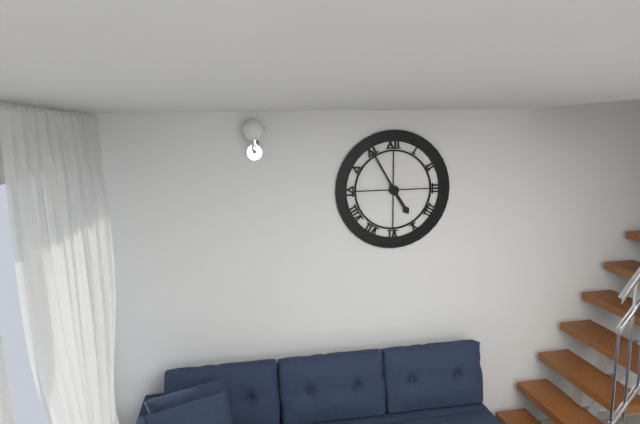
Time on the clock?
4:55
